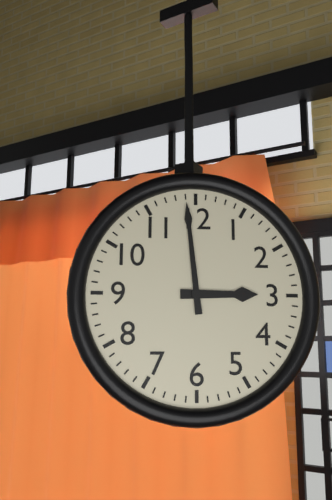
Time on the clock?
2:59
